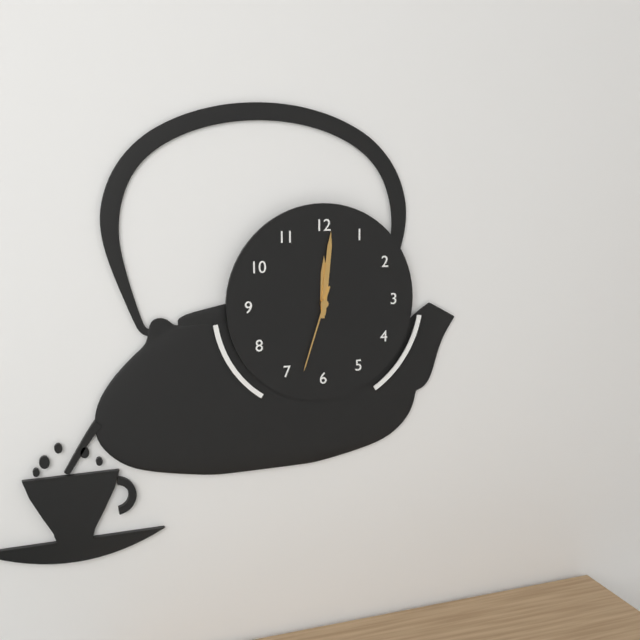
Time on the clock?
12:01:33
